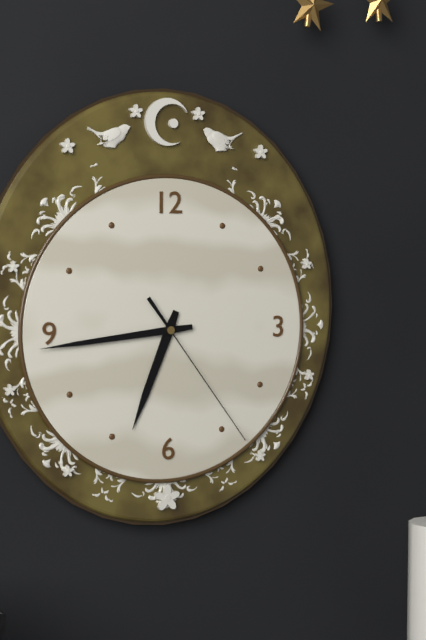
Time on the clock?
6:44:24
